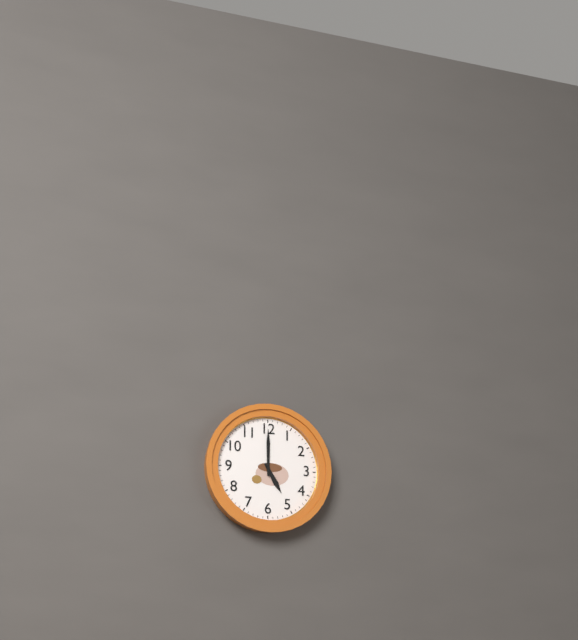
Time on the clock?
5:00
